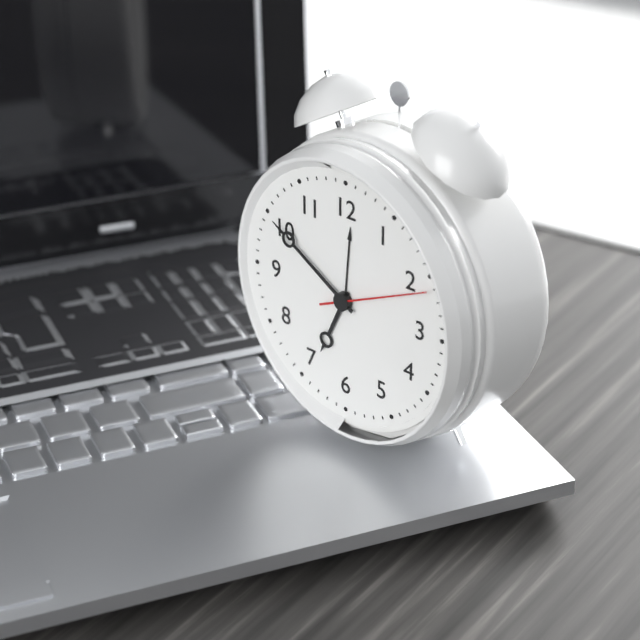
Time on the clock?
6:50:11
